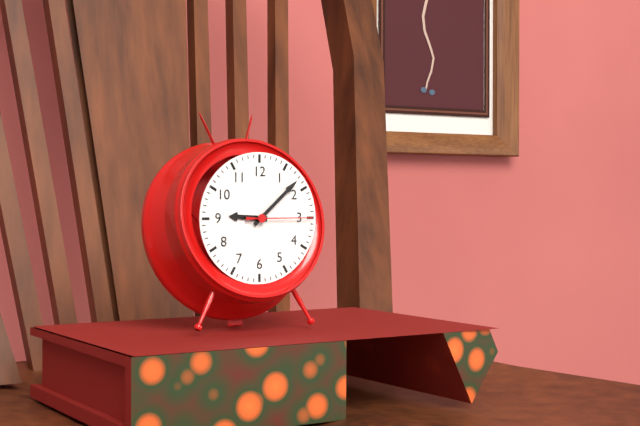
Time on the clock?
9:08:15
